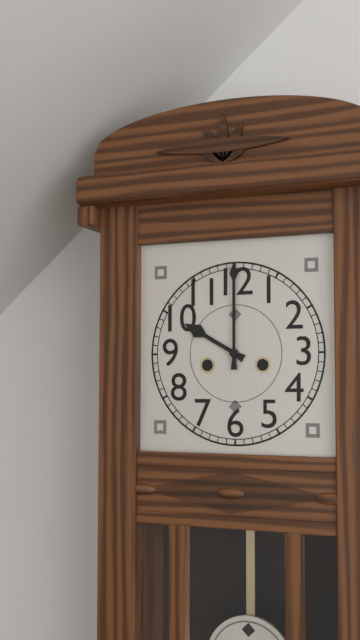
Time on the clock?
10:00
